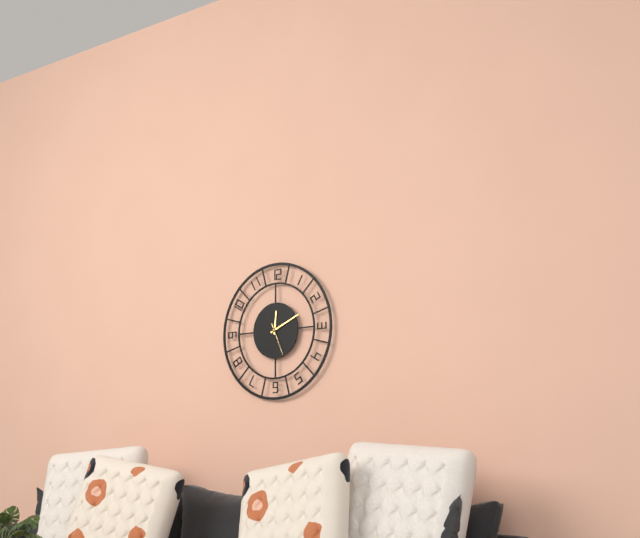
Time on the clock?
12:11
